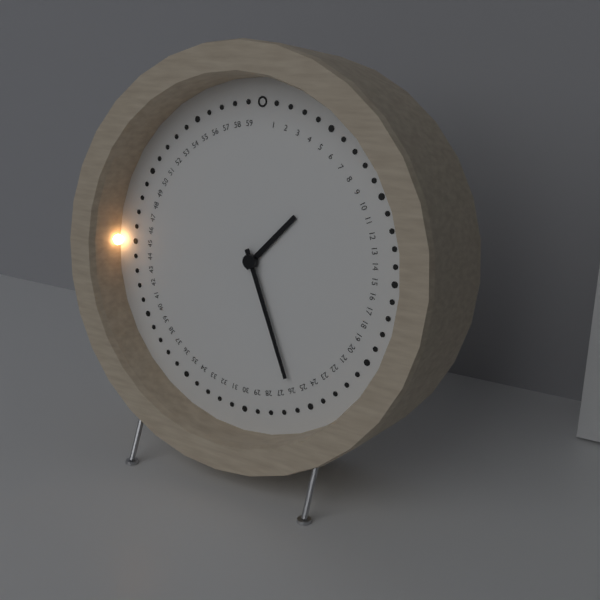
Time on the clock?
1:26
